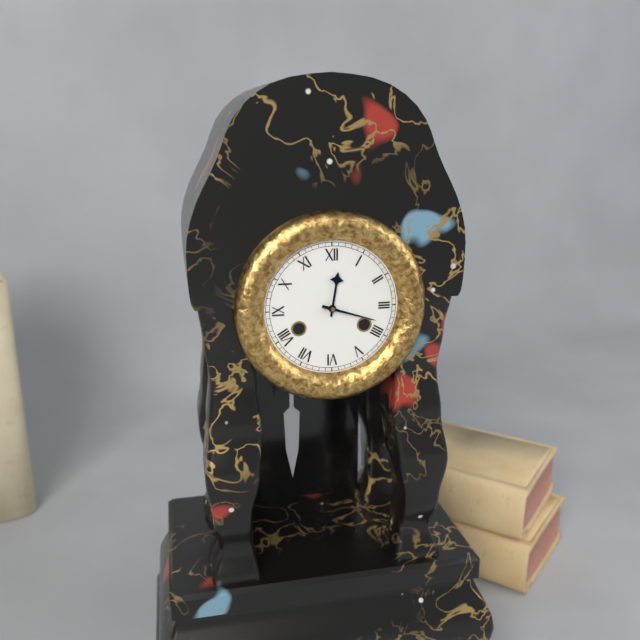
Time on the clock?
12:18
